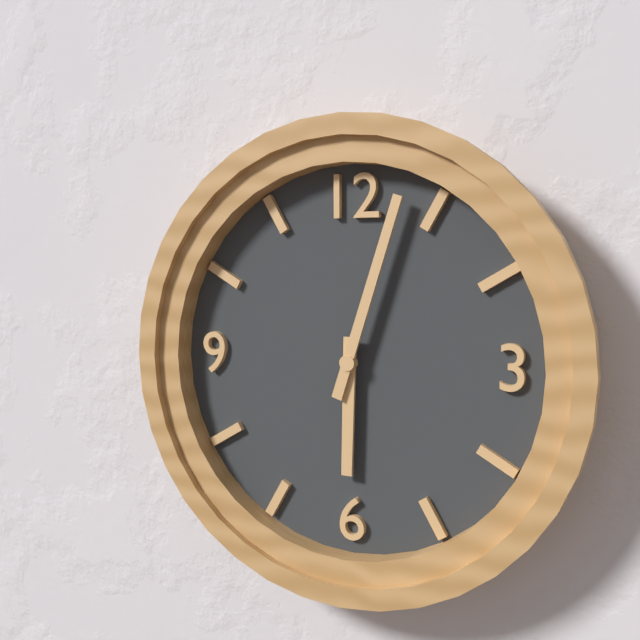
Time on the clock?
6:03
